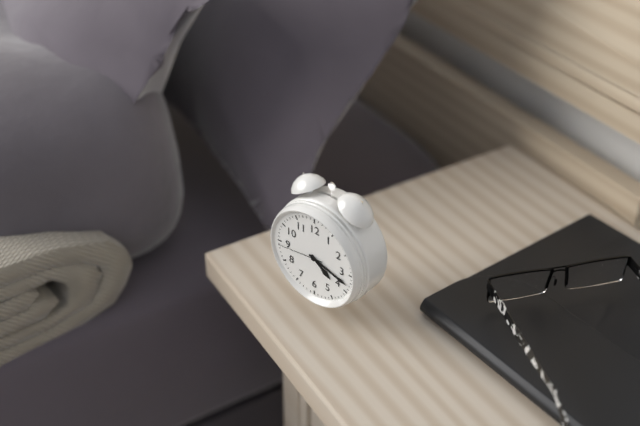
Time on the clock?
4:18
